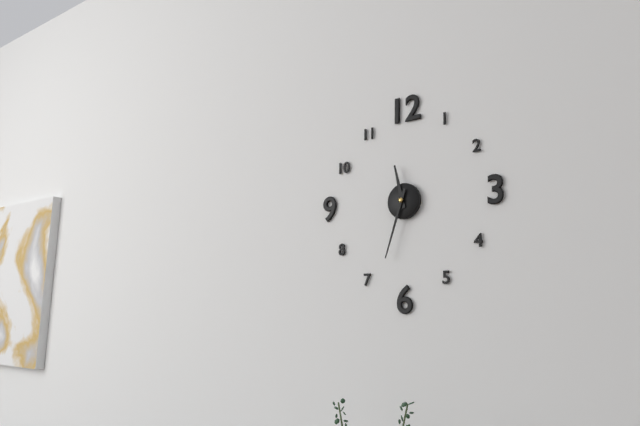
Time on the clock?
11:33
